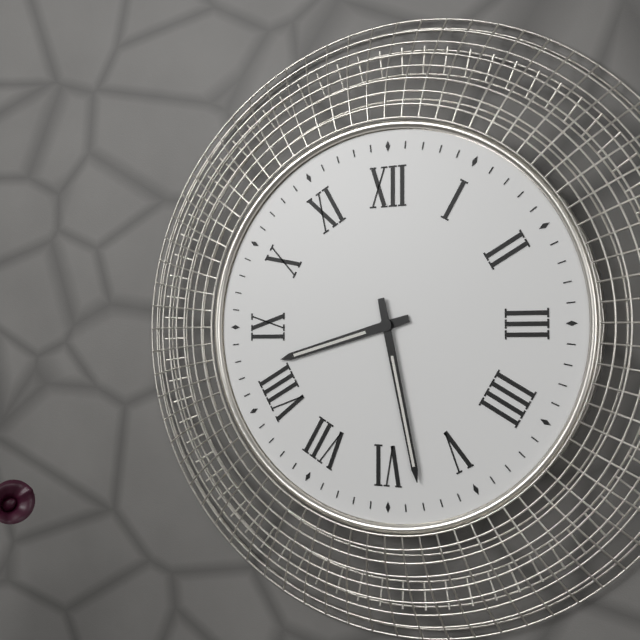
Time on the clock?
8:28
